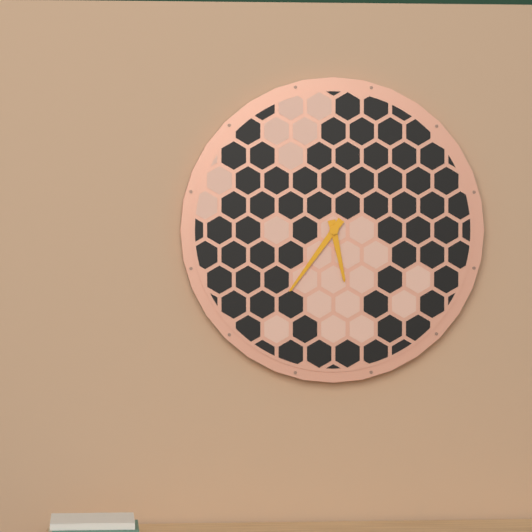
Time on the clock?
5:36
